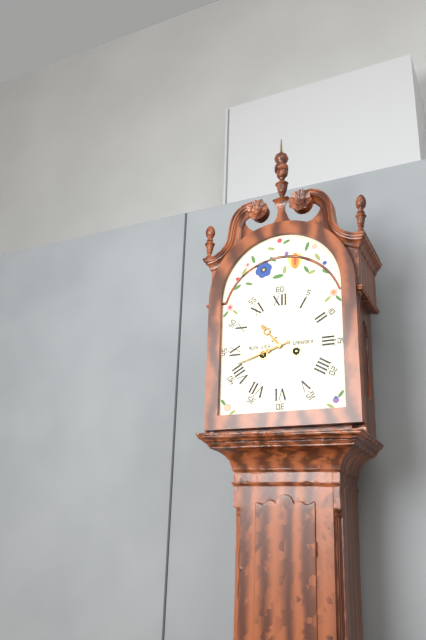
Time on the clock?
10:42
